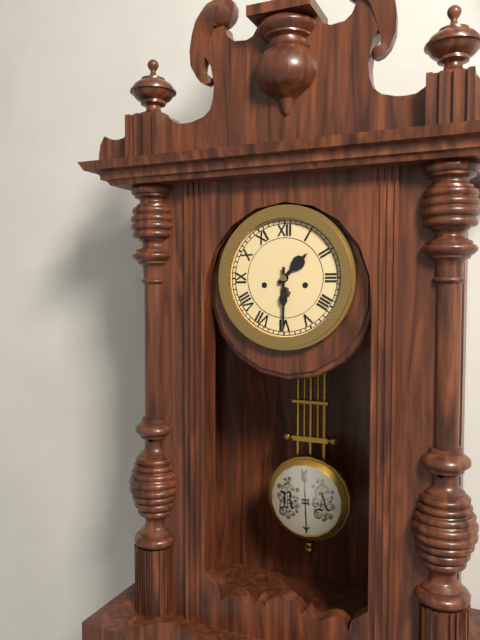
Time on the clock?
1:30
